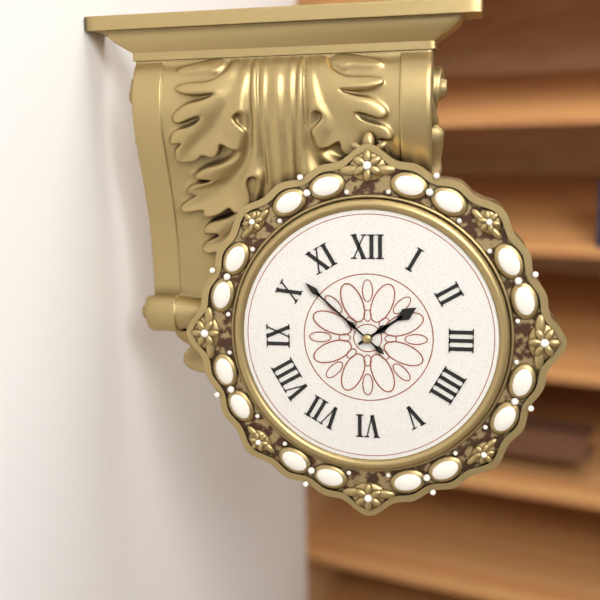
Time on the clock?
1:52
